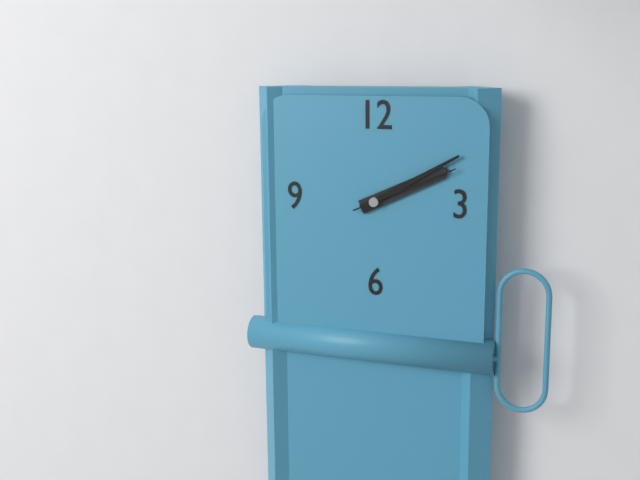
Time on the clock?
2:10:11
